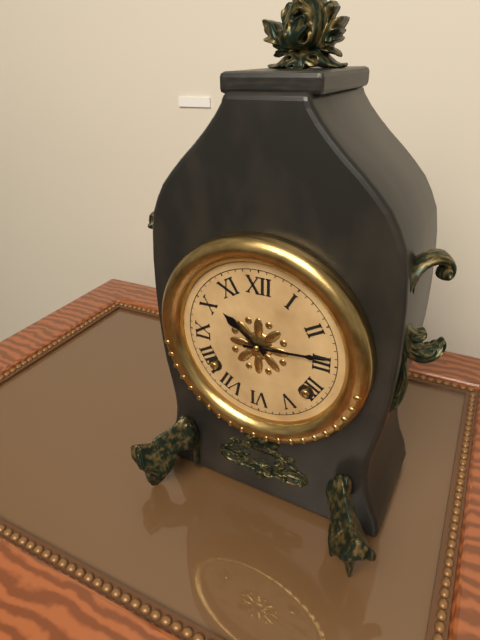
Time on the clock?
10:14
